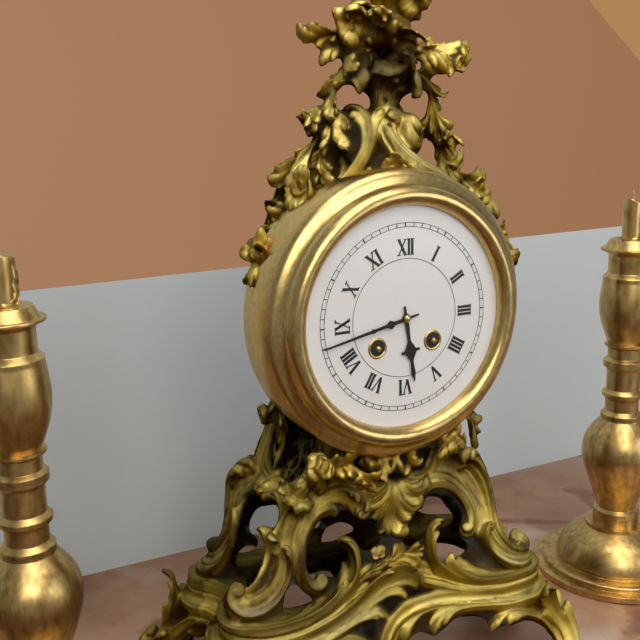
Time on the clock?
5:43
